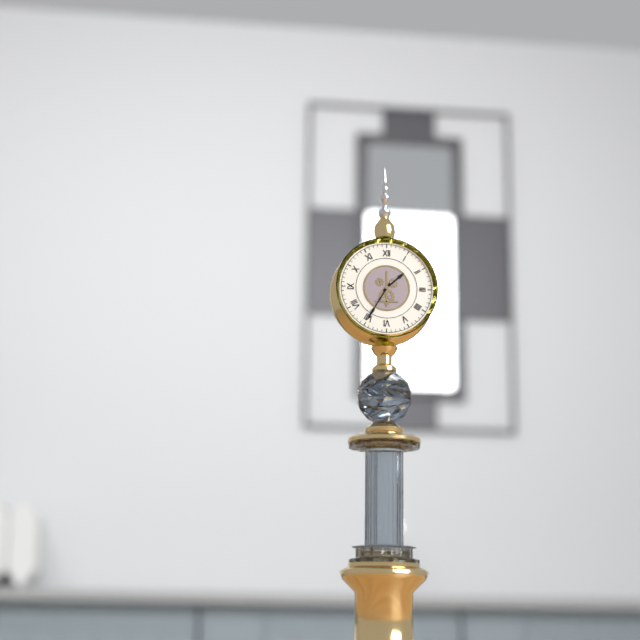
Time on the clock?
1:35
